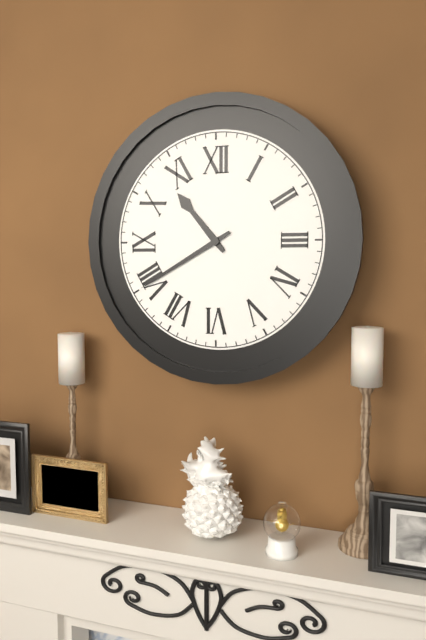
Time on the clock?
10:40
